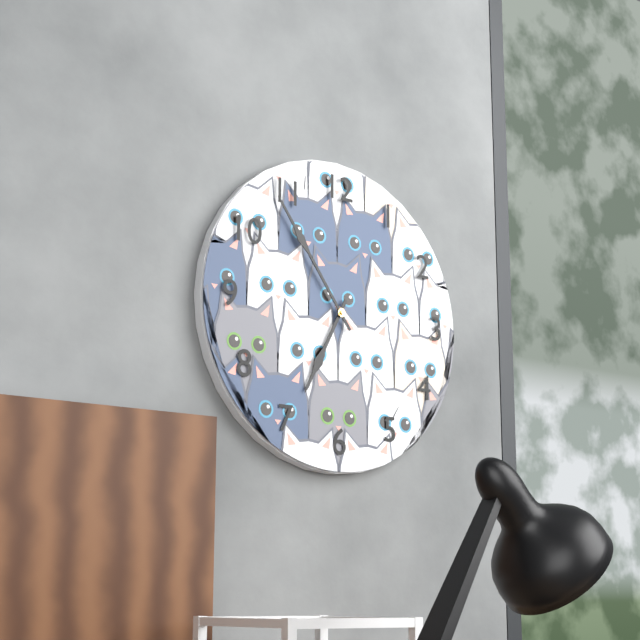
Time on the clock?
6:54
